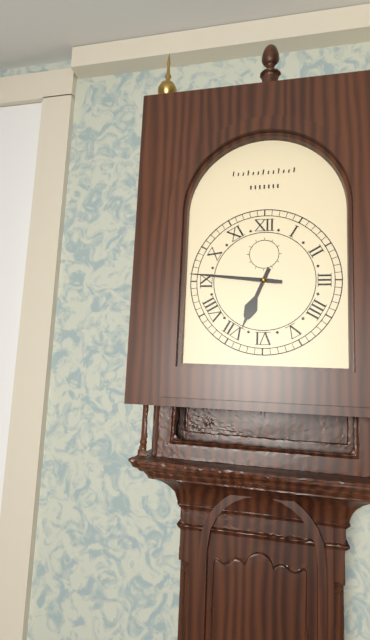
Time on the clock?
6:46
